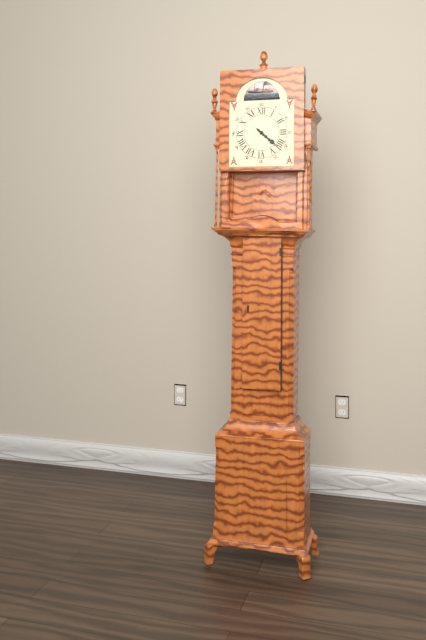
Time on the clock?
4:22
